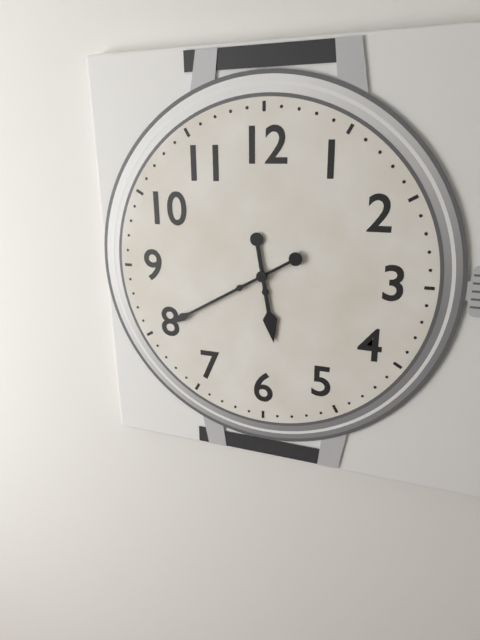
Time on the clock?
5:40
